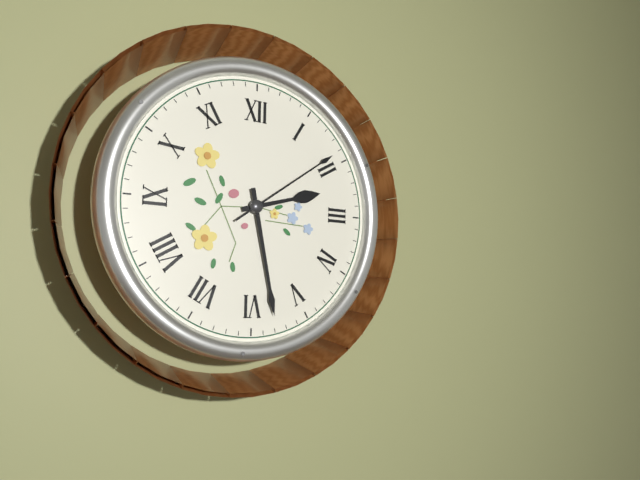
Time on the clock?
2:28:09
